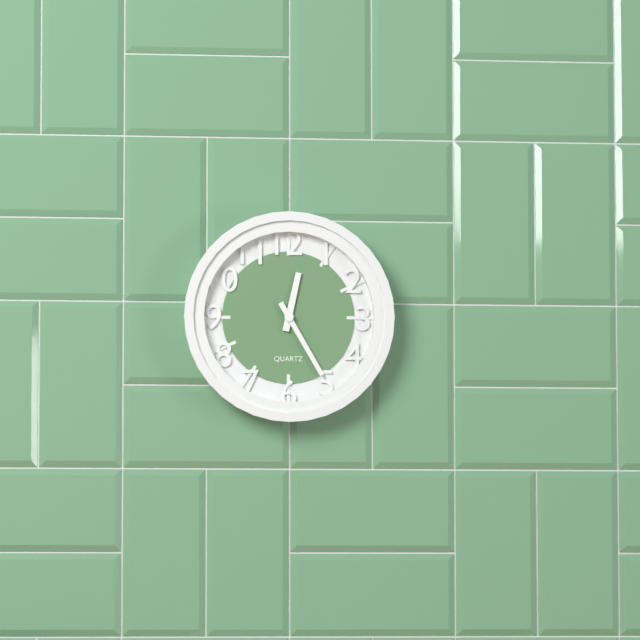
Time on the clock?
12:25
